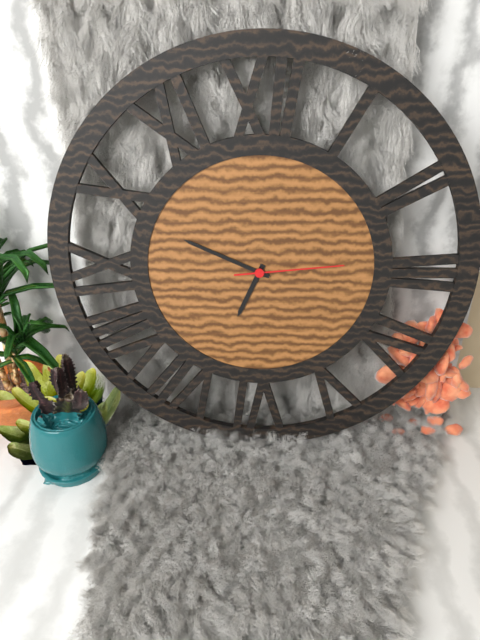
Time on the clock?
6:49:14
